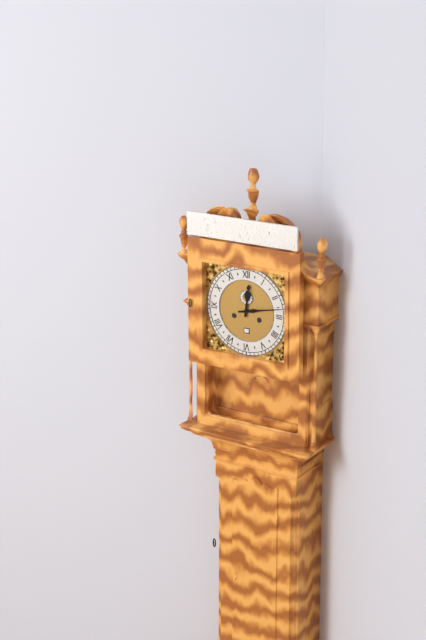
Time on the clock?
12:13
